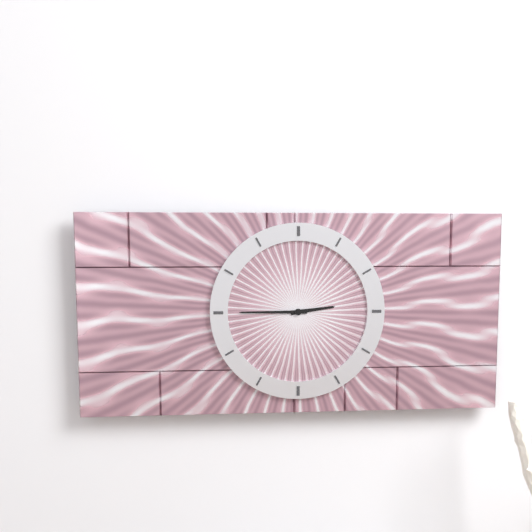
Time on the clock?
2:45
